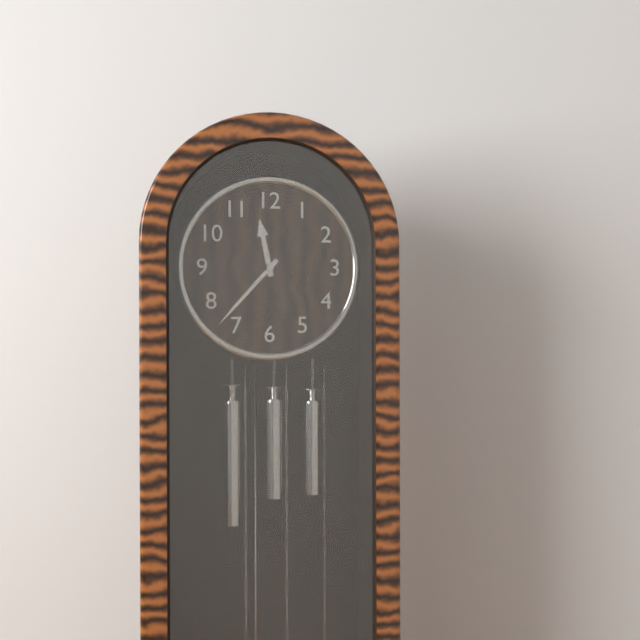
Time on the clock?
11:37
